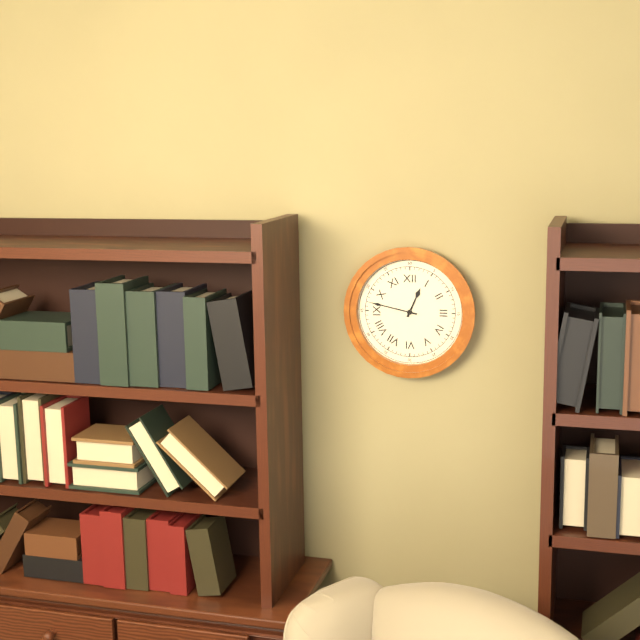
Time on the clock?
12:47
